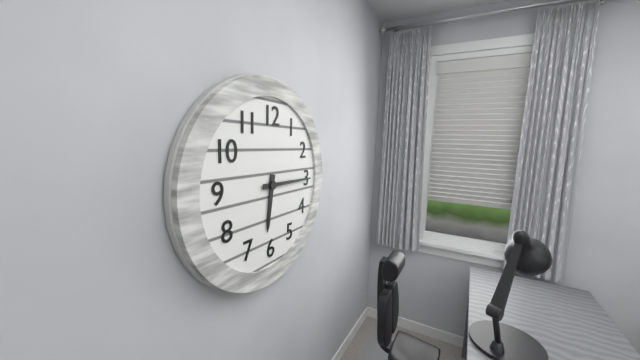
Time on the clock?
6:15
